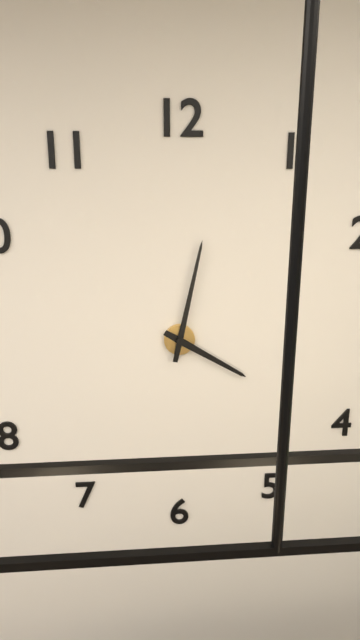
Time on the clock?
4:02
